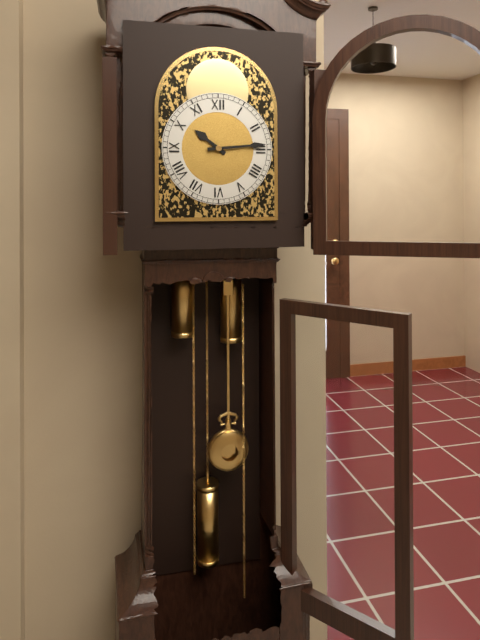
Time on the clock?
10:14
